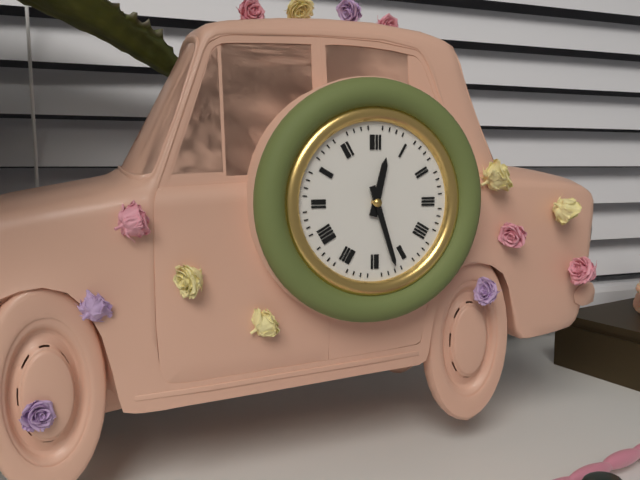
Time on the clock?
12:27
